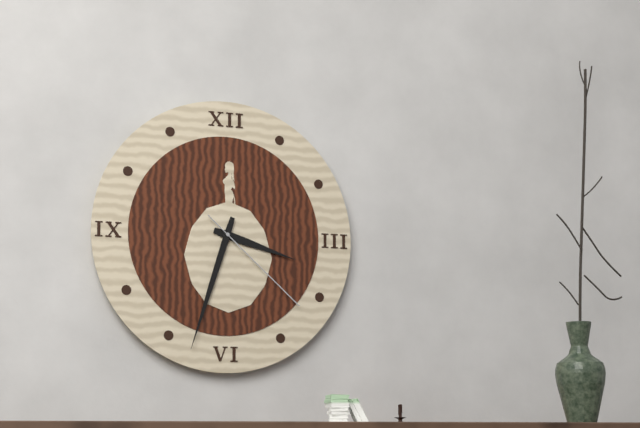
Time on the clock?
3:33:22
